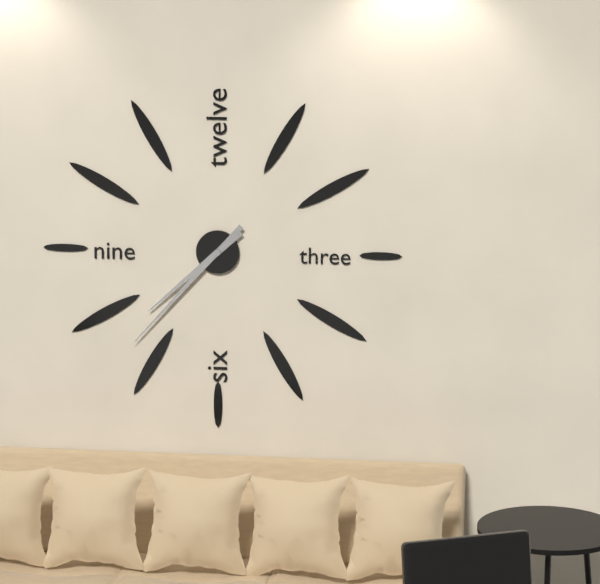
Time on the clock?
7:37
